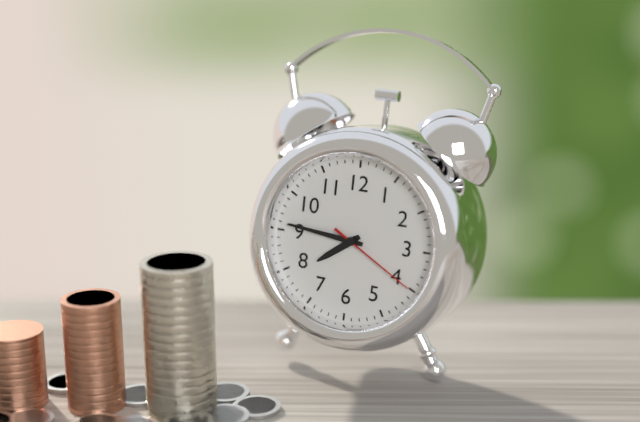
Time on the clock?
7:46:20
